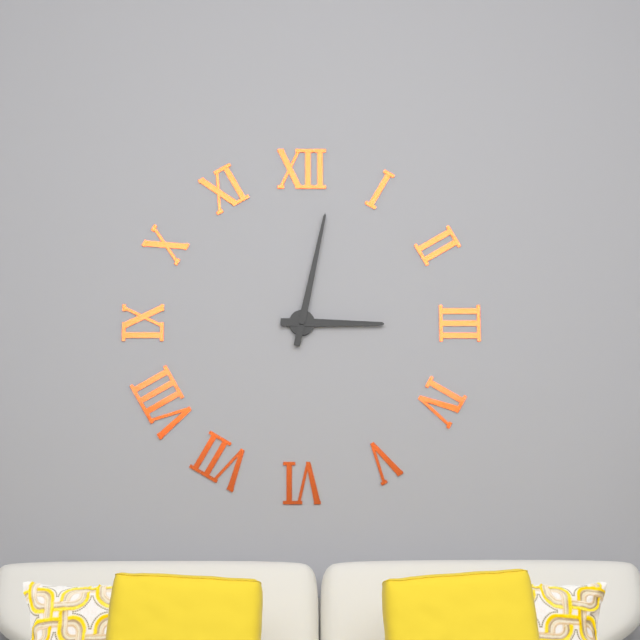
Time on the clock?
3:02
